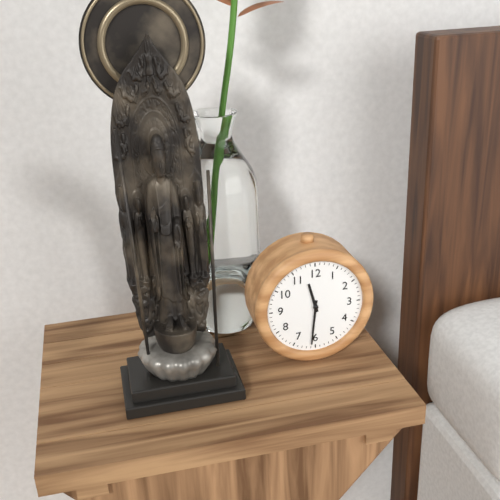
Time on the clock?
11:31
